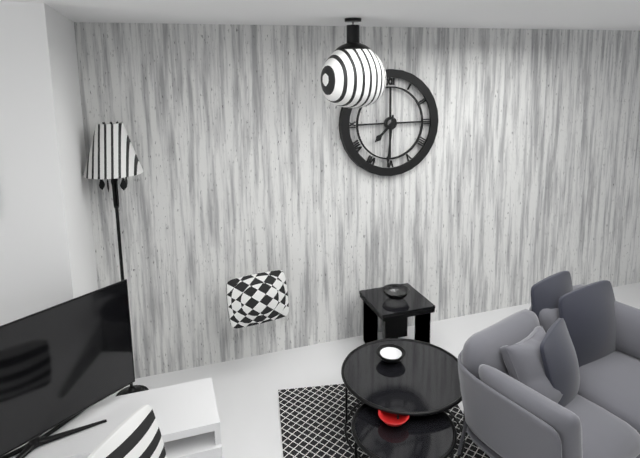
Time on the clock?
7:31
